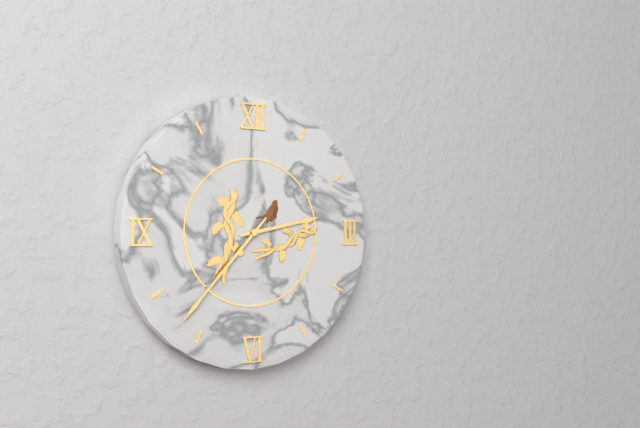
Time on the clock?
2:37
